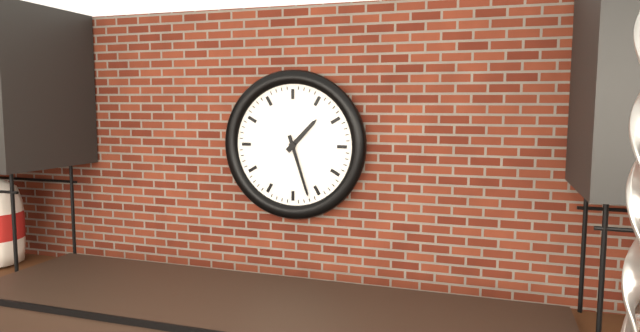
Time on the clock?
1:27
